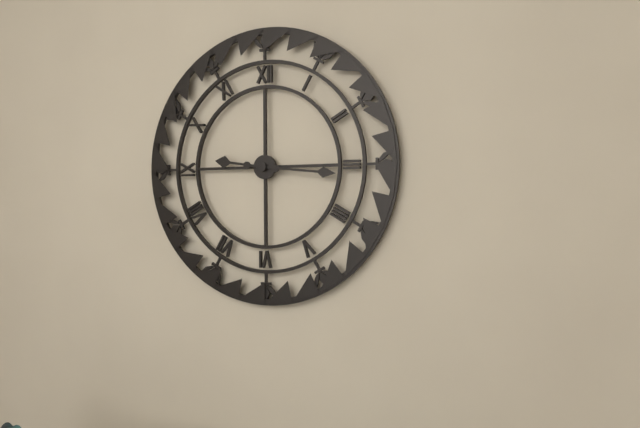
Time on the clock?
9:16
